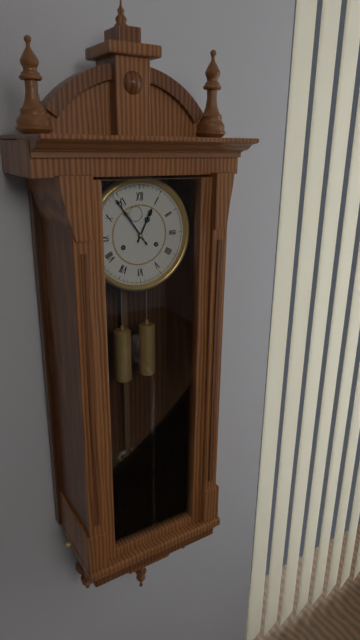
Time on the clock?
12:54
